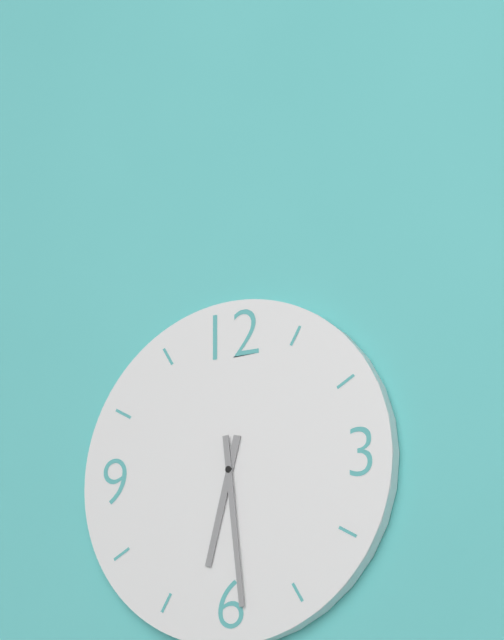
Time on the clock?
6:29
